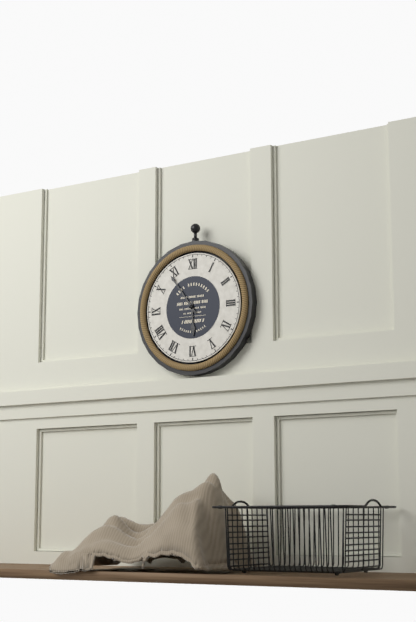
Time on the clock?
5:54
